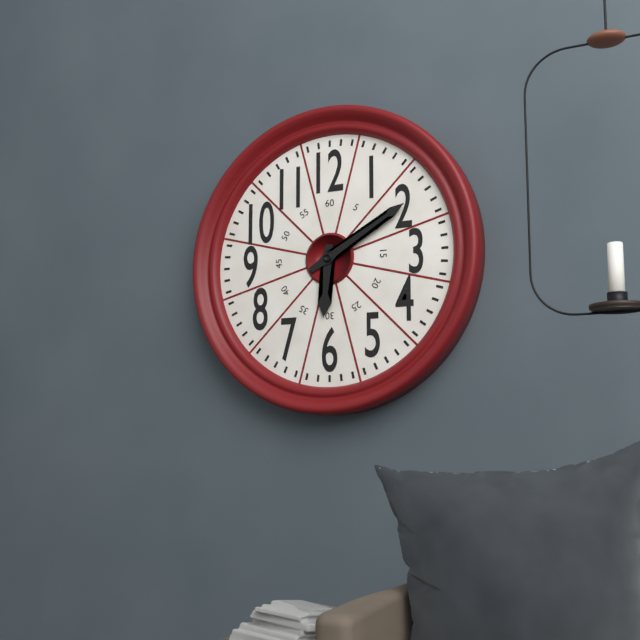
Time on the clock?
6:10
